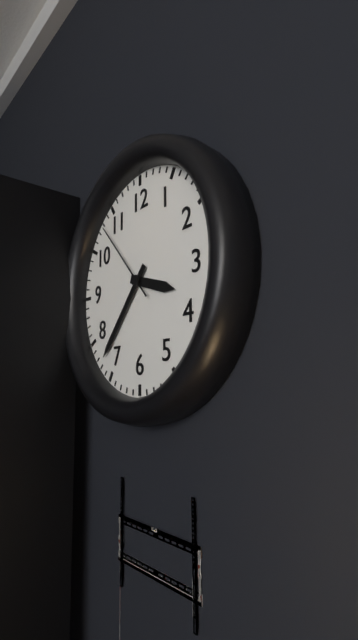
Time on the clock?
3:37:53
